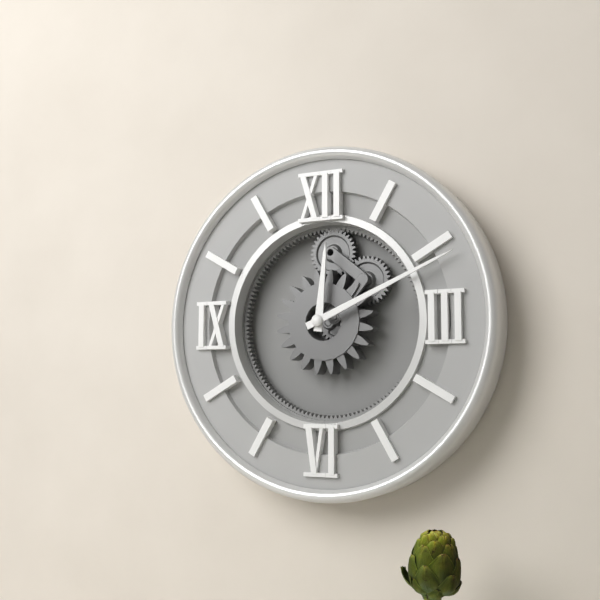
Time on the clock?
12:11
